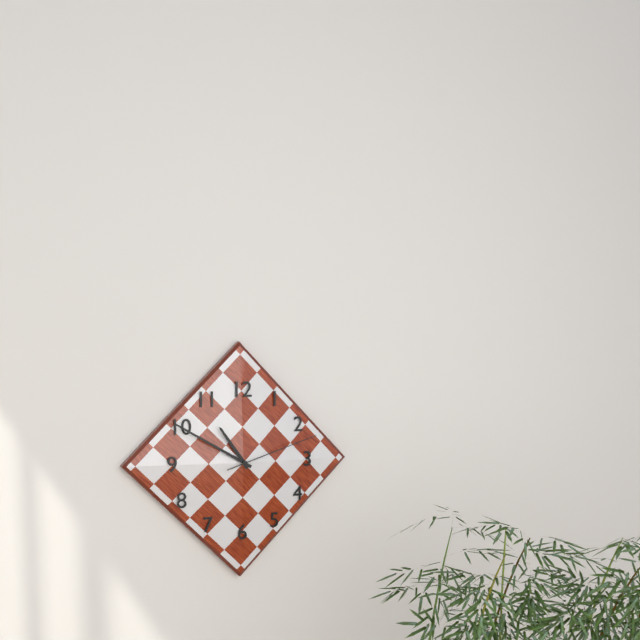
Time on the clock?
10:50:12
